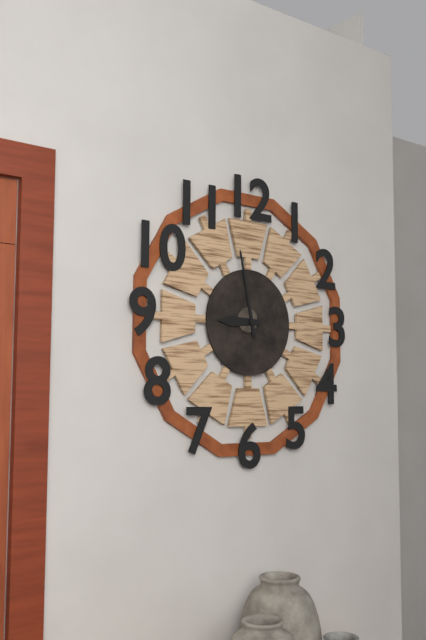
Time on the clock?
8:58
